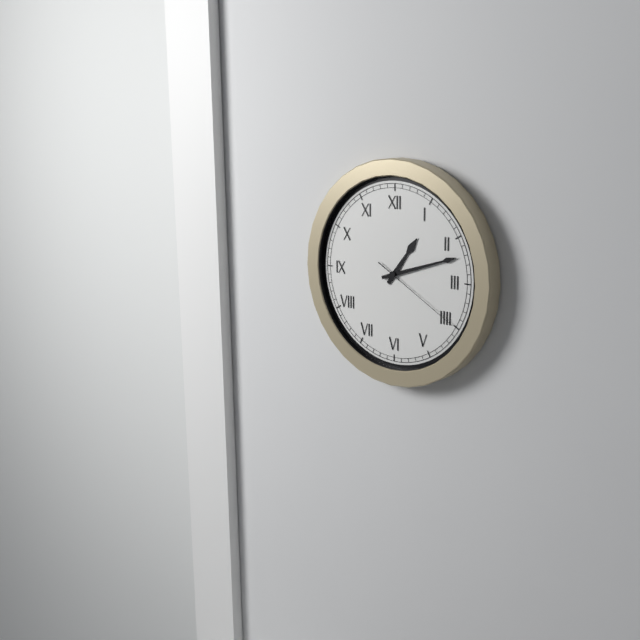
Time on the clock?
1:12:20
